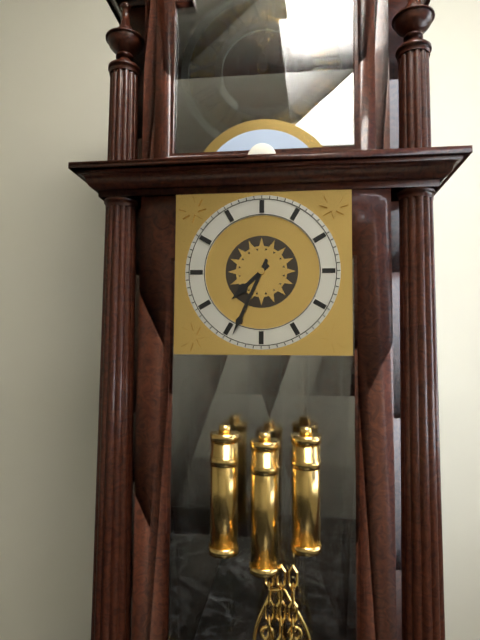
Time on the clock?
7:34
